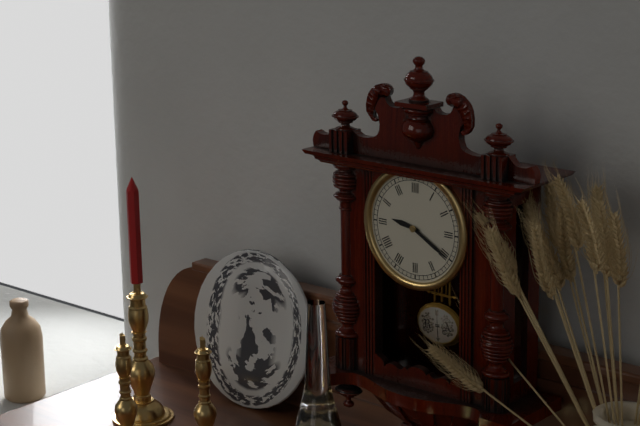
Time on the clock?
9:20
